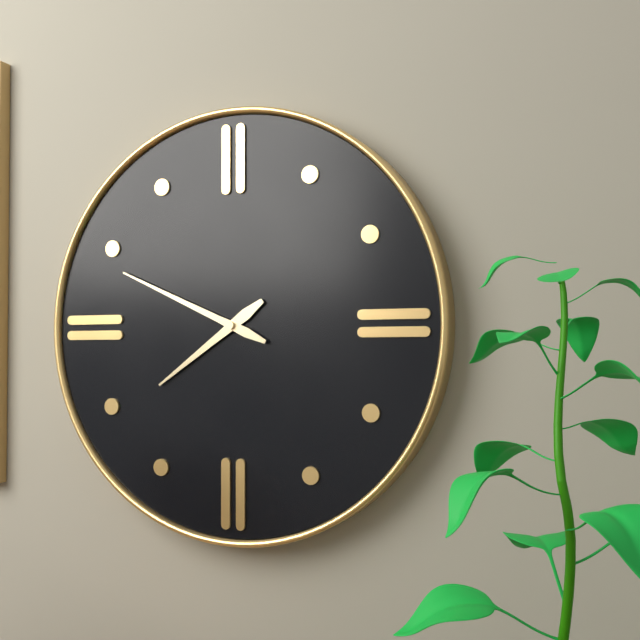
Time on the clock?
7:49
